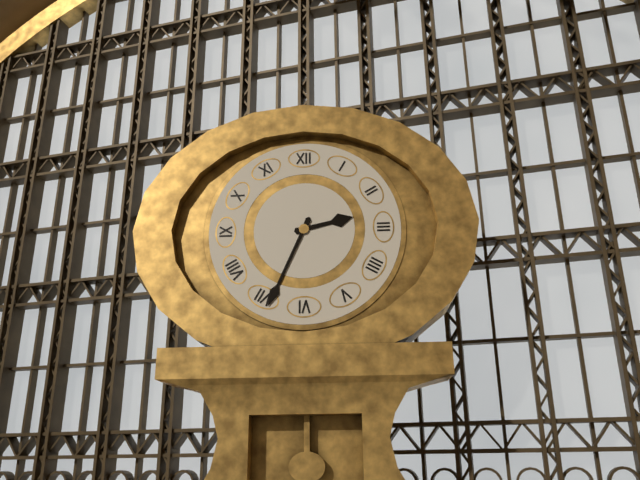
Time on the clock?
2:34
